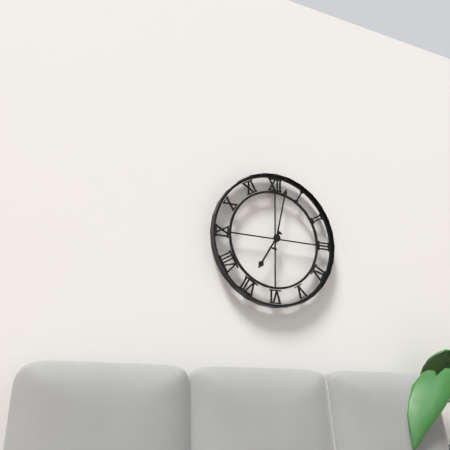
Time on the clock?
7:02
